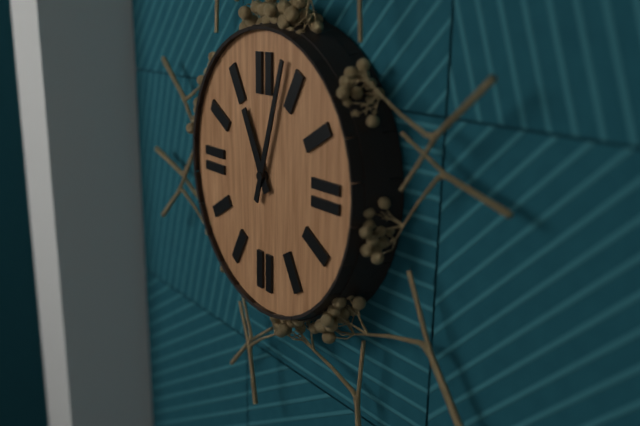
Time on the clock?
11:03
